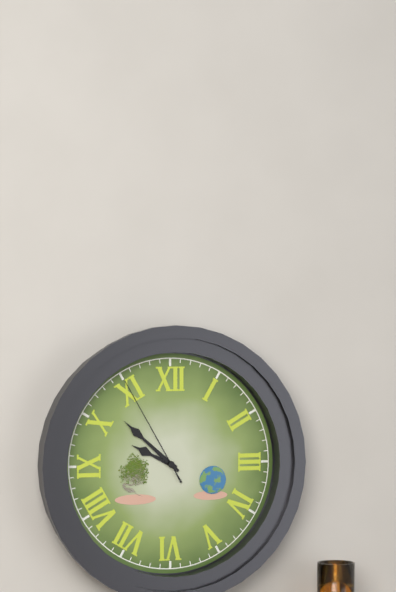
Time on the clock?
9:52:55
